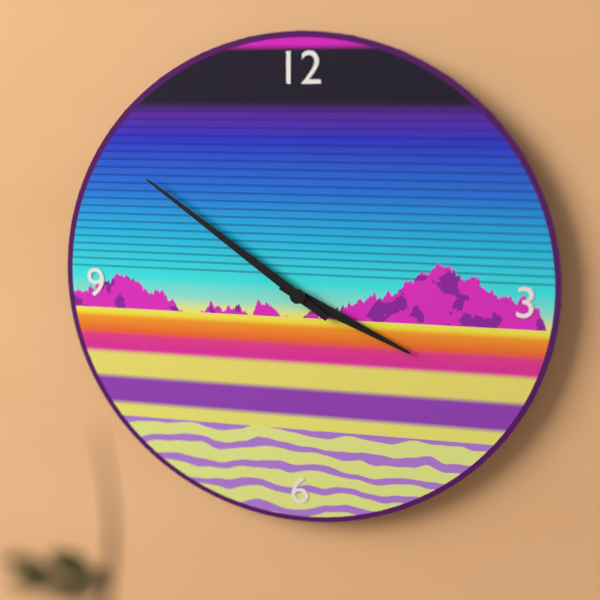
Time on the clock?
3:51
